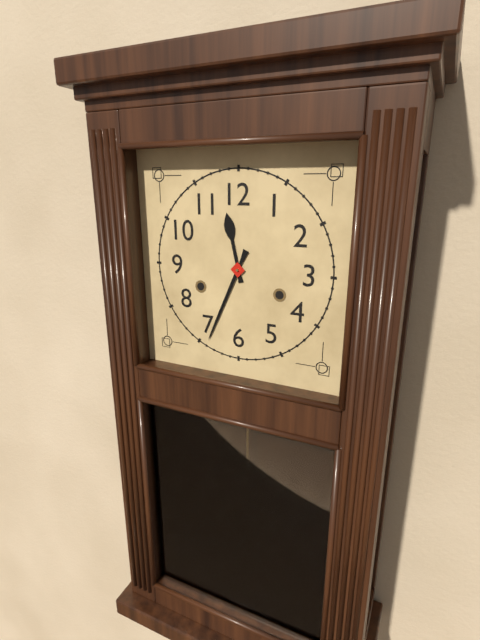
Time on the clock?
11:34
